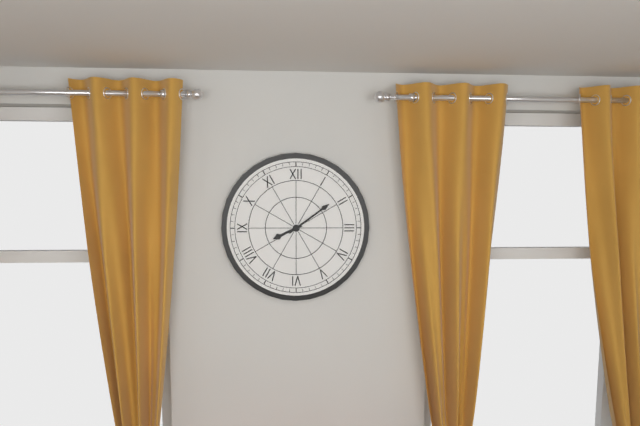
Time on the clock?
8:09
